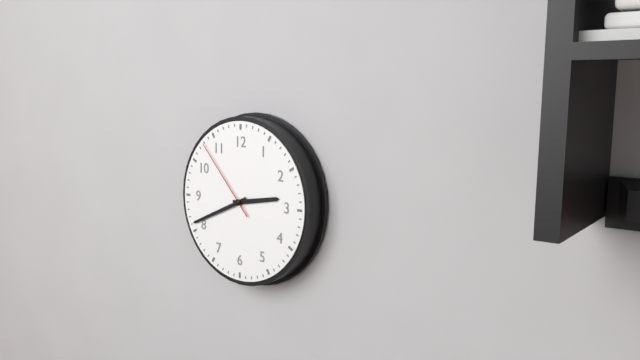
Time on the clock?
2:41:53
